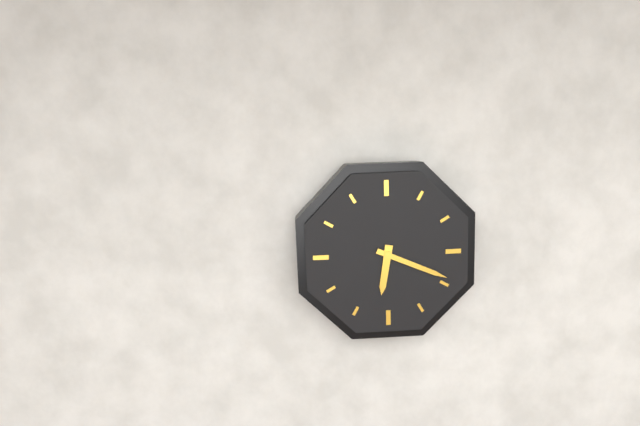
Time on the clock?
6:19
